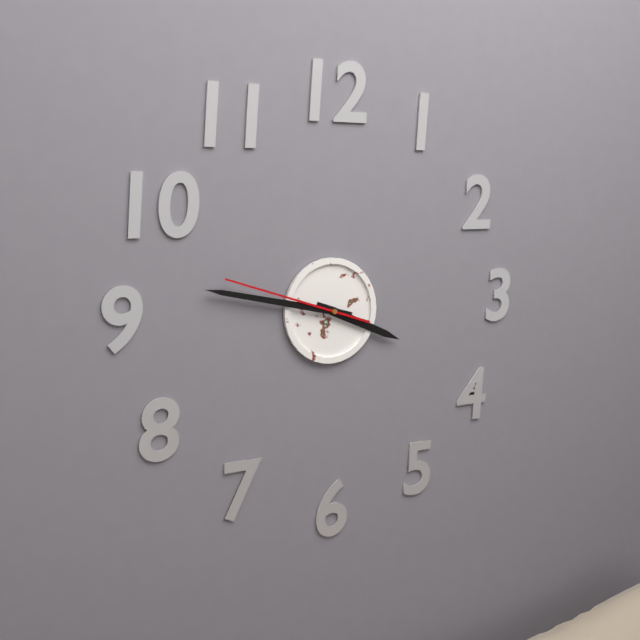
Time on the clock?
3:47:48
